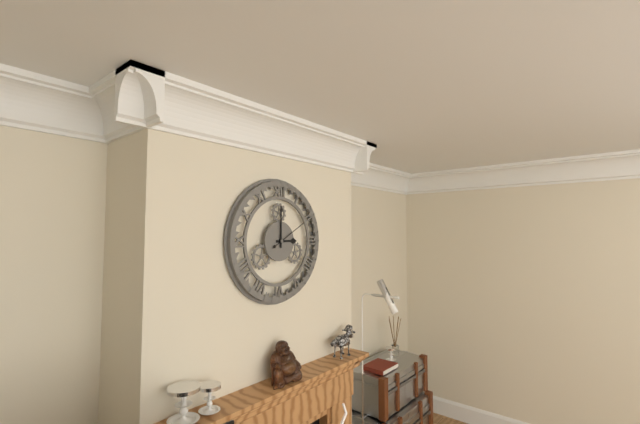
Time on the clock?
3:00
